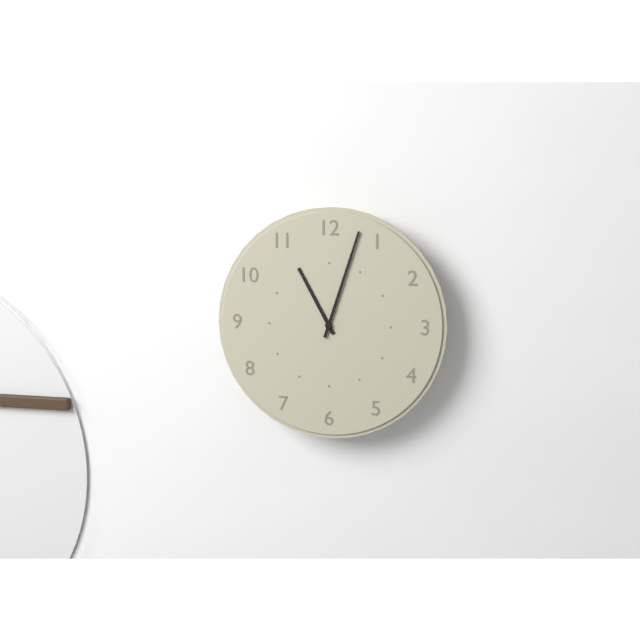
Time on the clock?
11:03
